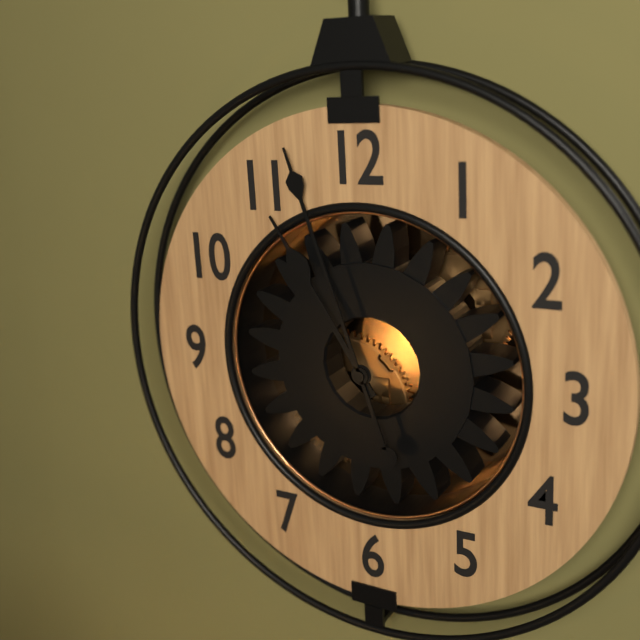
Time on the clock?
10:57
